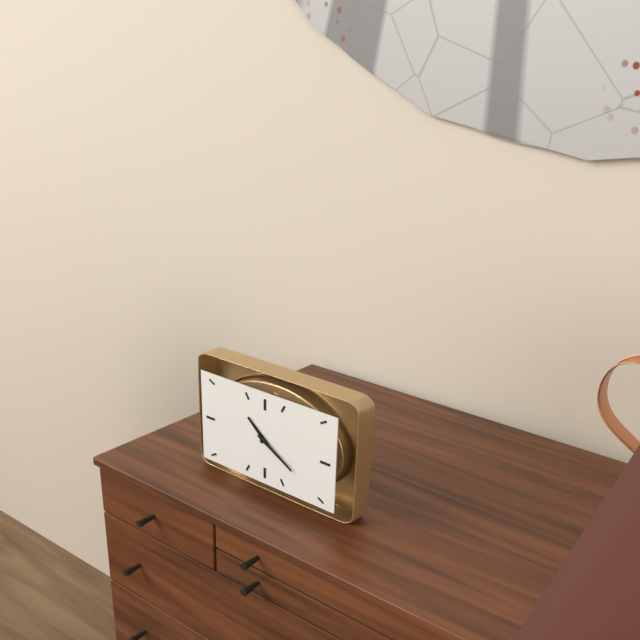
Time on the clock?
10:20
